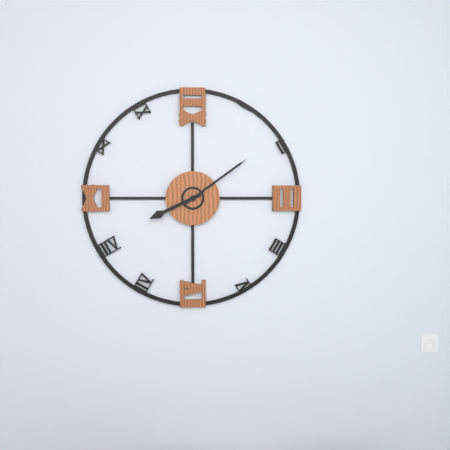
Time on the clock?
8:09
